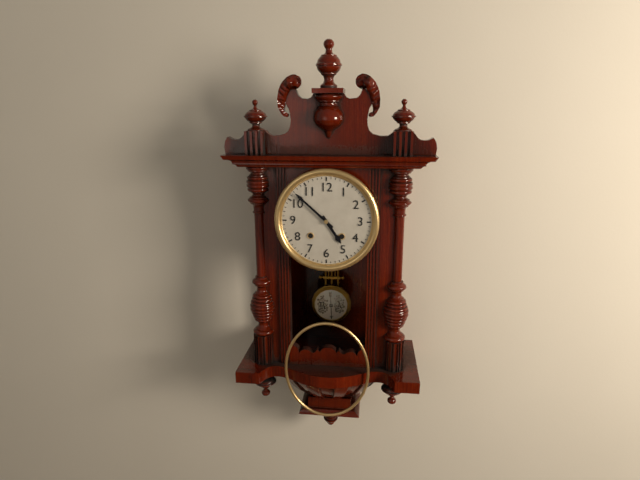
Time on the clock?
4:52
